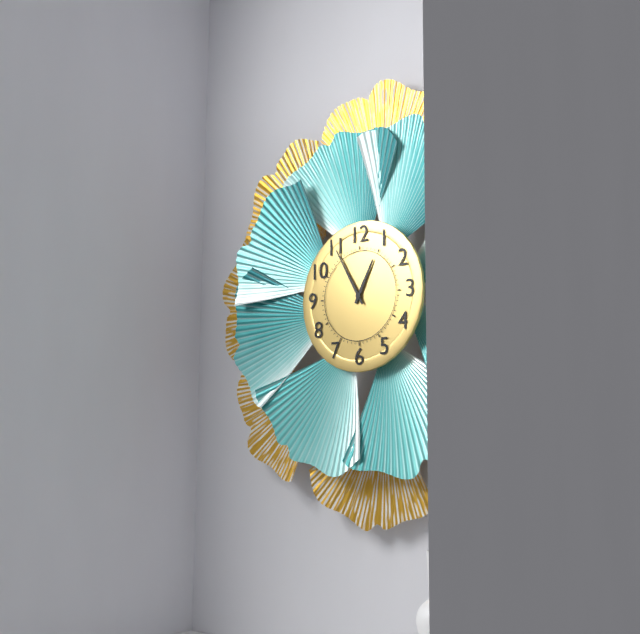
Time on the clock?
12:55
